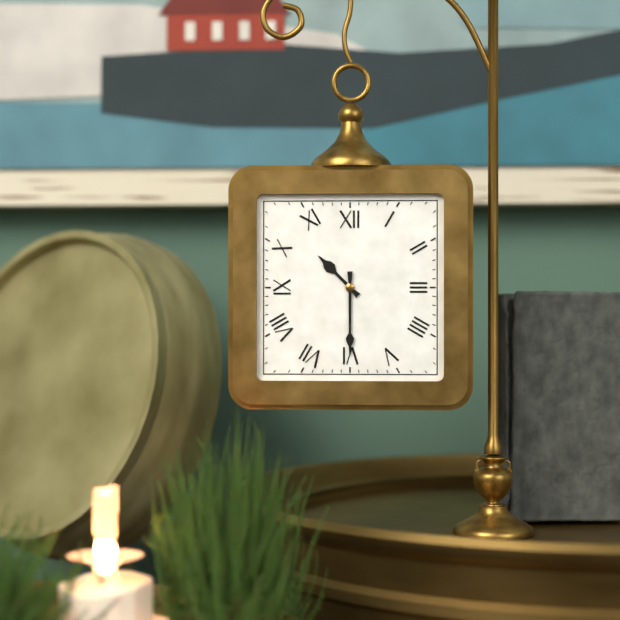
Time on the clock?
10:30
